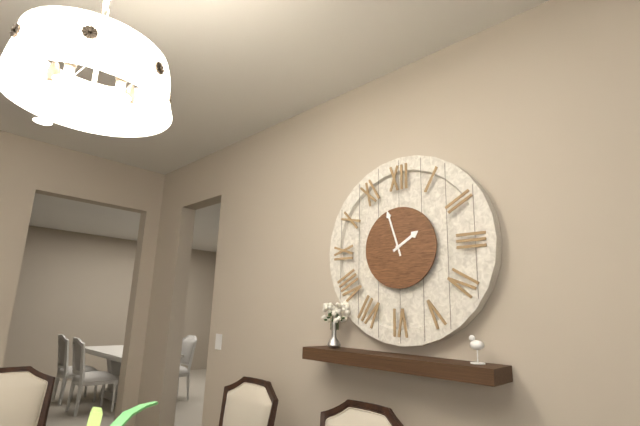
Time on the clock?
1:57
